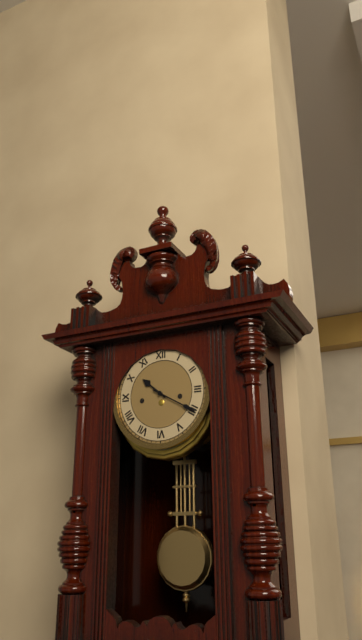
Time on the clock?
10:20
